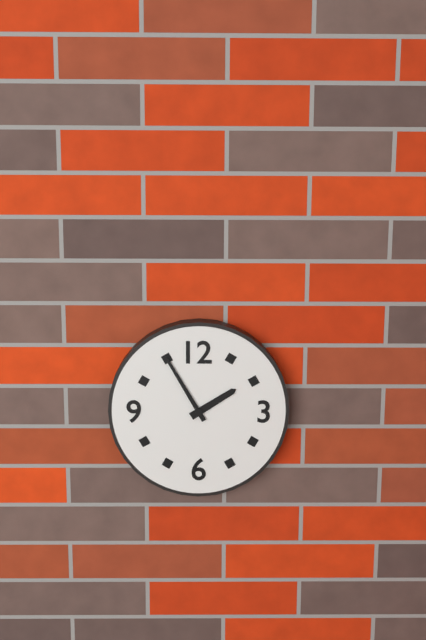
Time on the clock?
1:55
